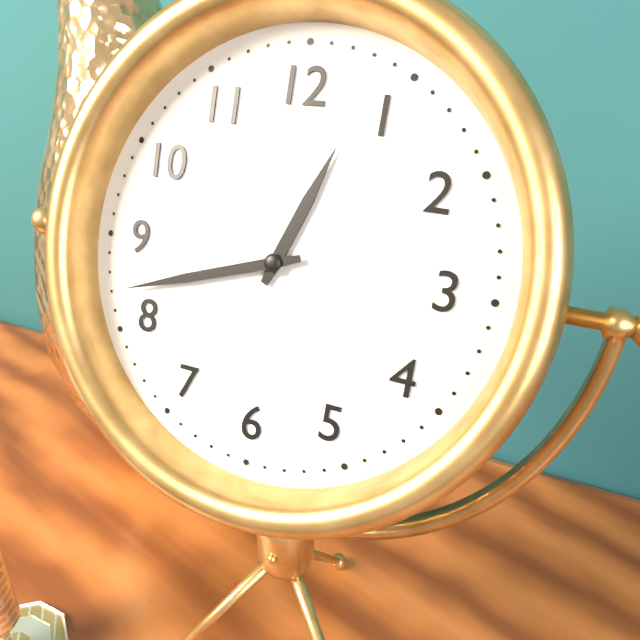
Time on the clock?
12:42
